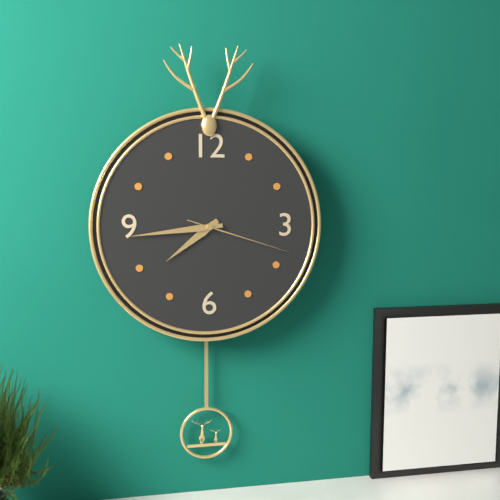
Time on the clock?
7:44:18
